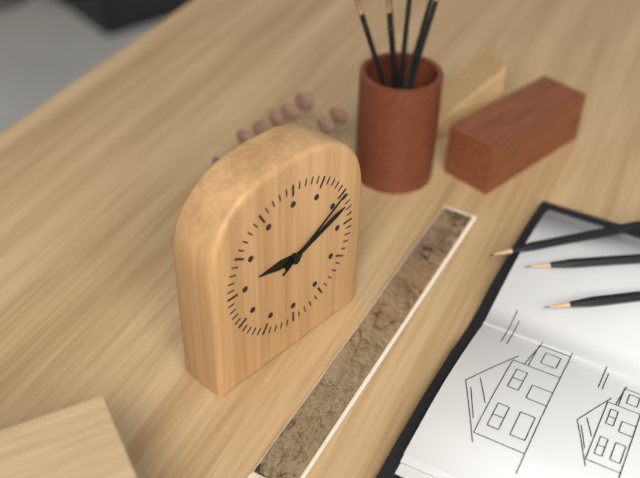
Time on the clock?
9:12:10
